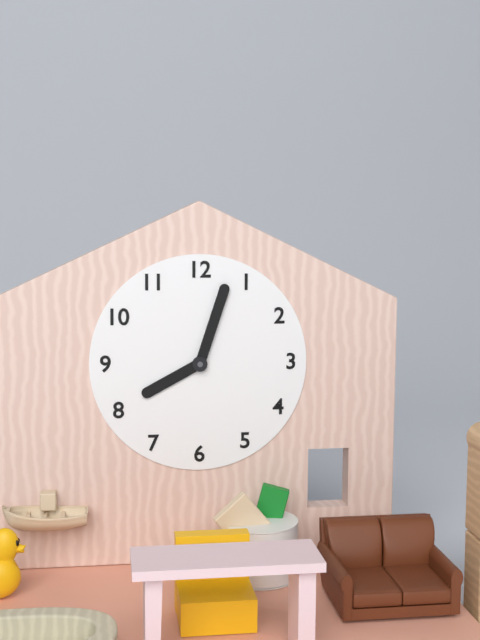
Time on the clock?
8:03
